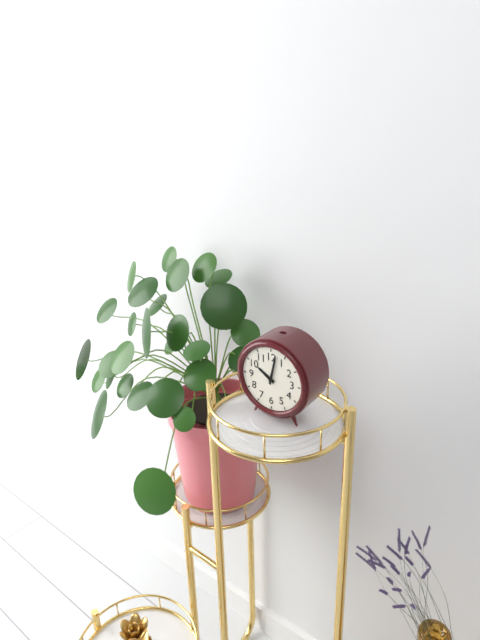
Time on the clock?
10:02
